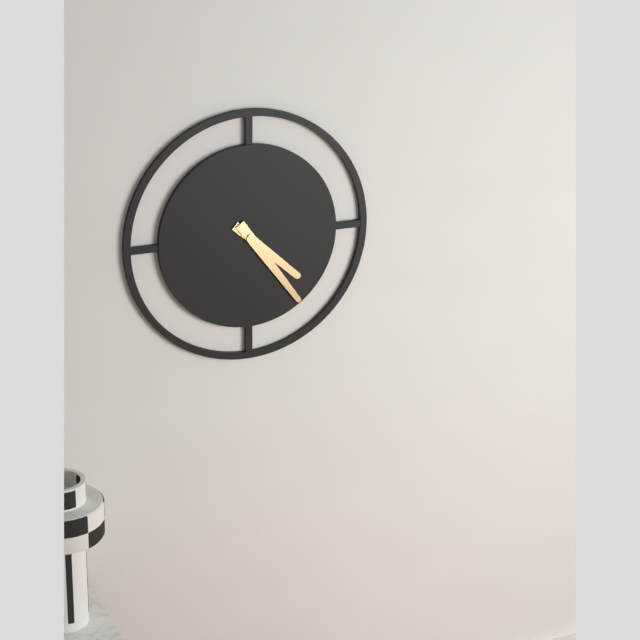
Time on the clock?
4:24
